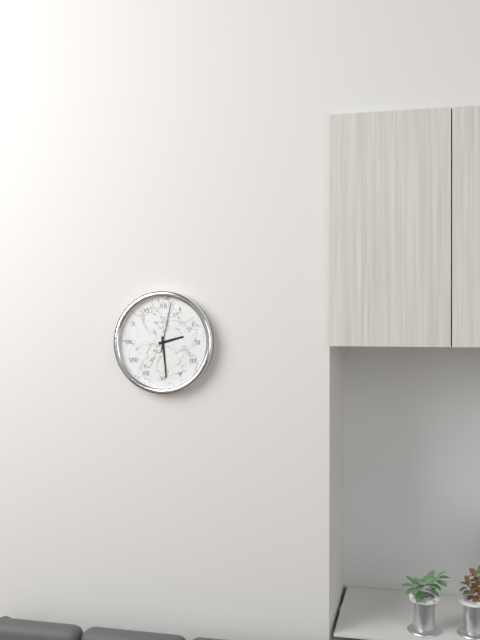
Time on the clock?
2:29:02
